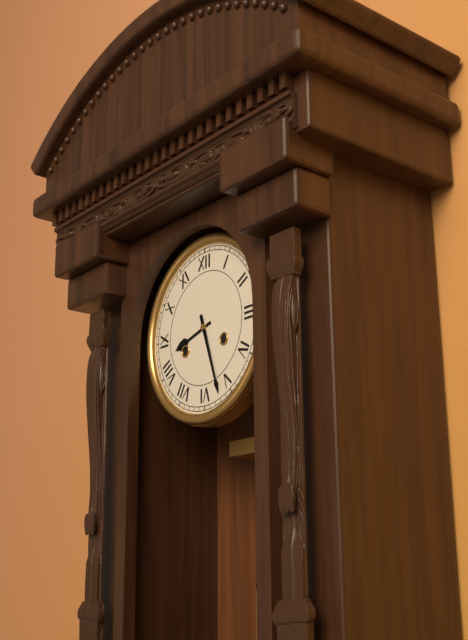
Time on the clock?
8:27
